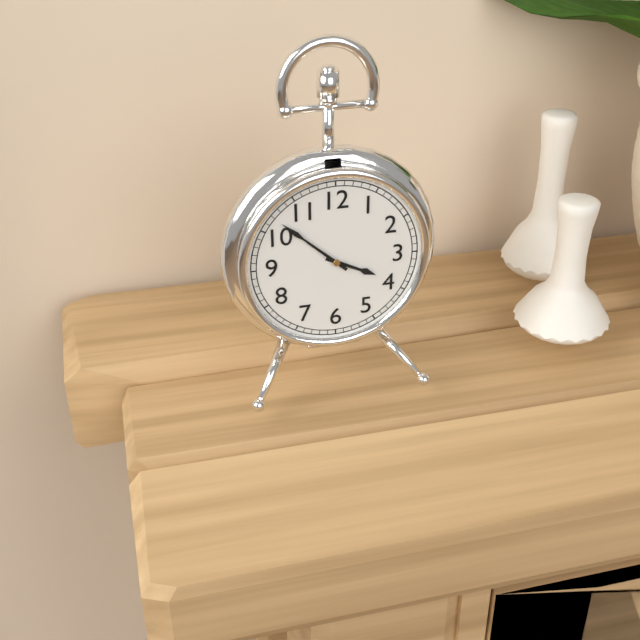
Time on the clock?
3:52
